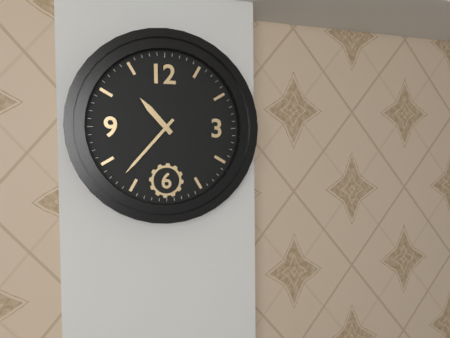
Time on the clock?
10:37
